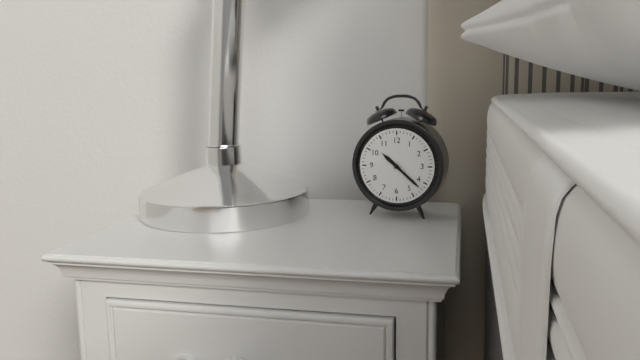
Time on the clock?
10:22
